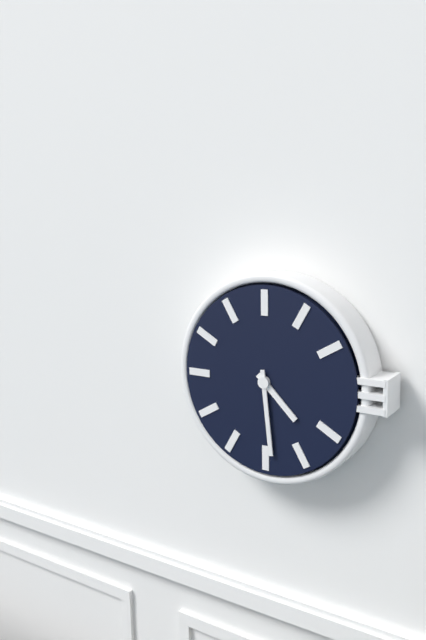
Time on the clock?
4:29
